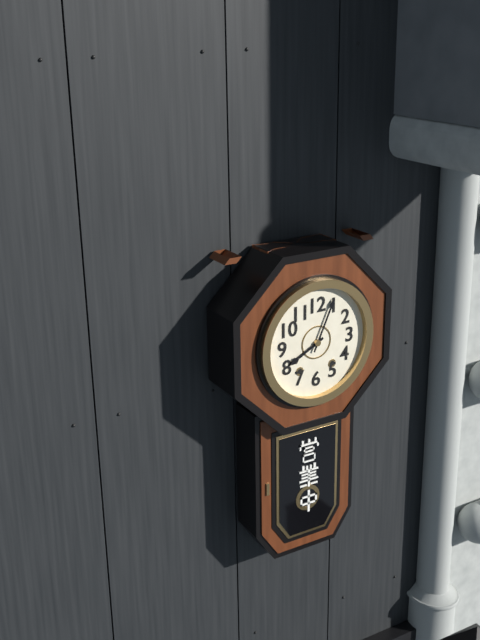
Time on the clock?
8:04
